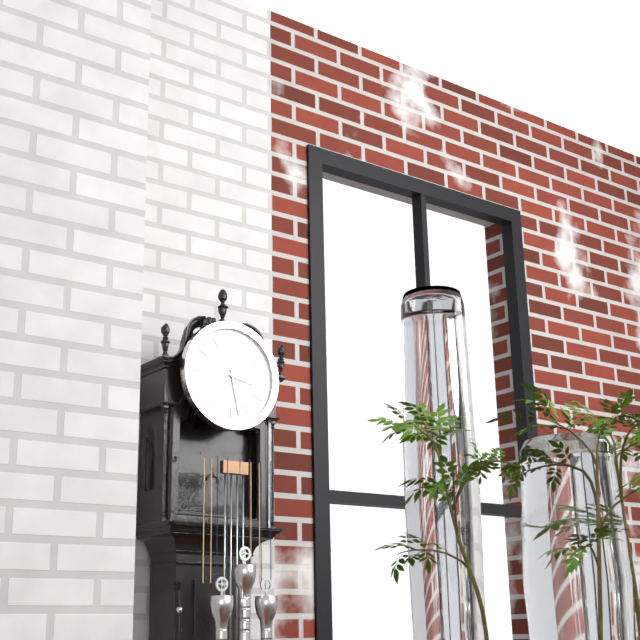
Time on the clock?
3:28
